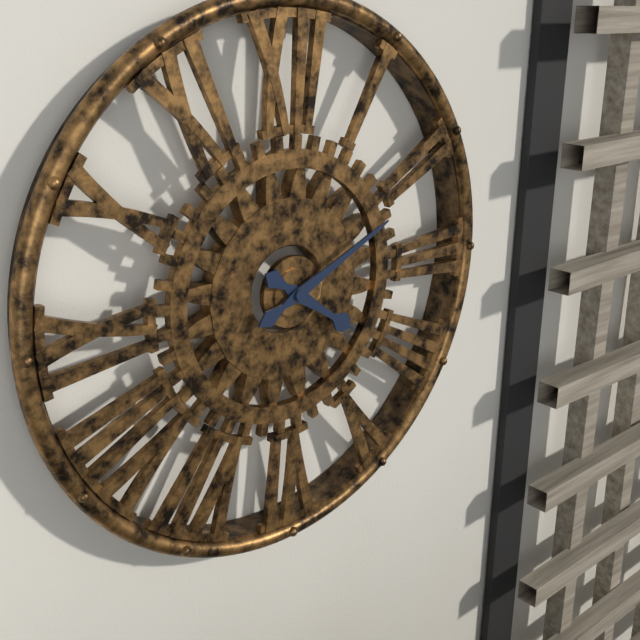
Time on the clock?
4:11
